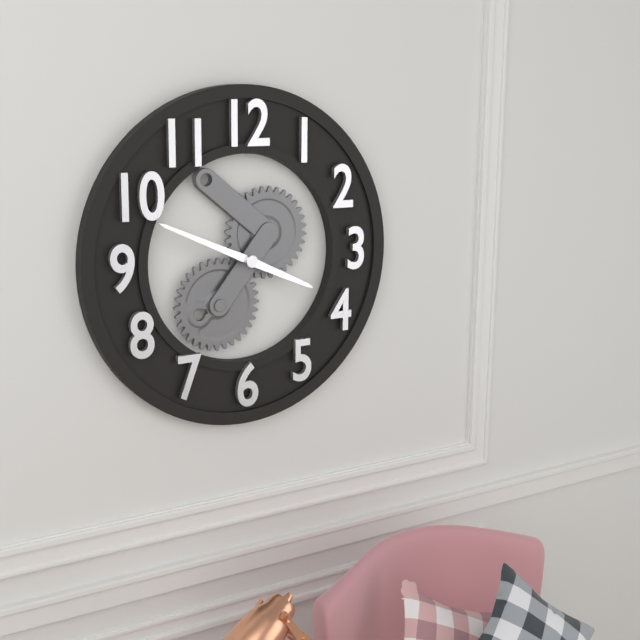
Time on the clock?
3:49
